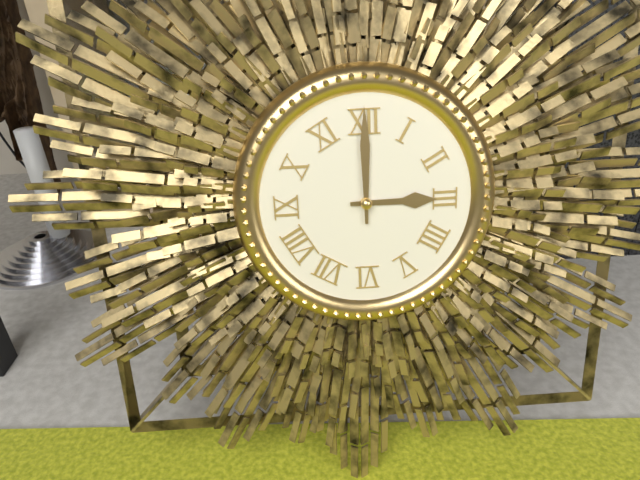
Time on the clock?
3:00
